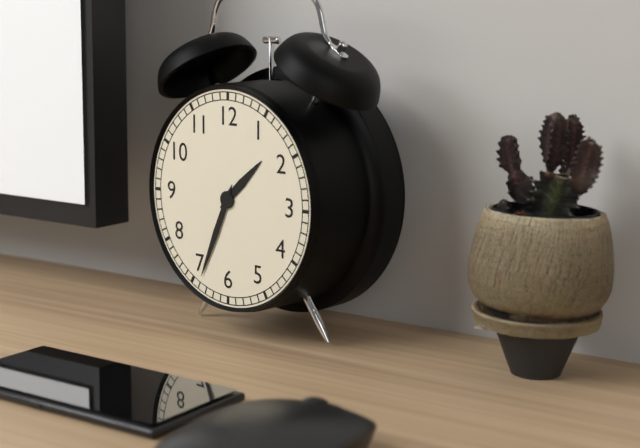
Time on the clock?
1:34
